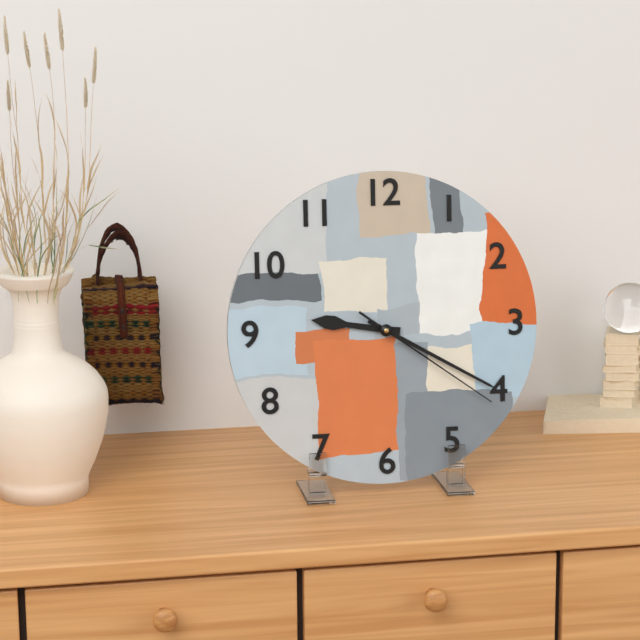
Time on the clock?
9:20:21
